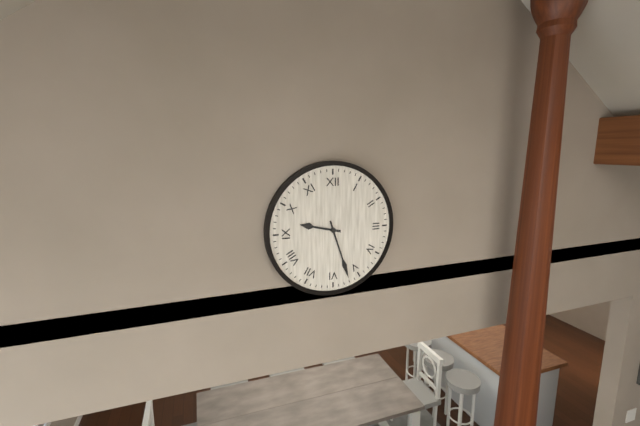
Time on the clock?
9:27
